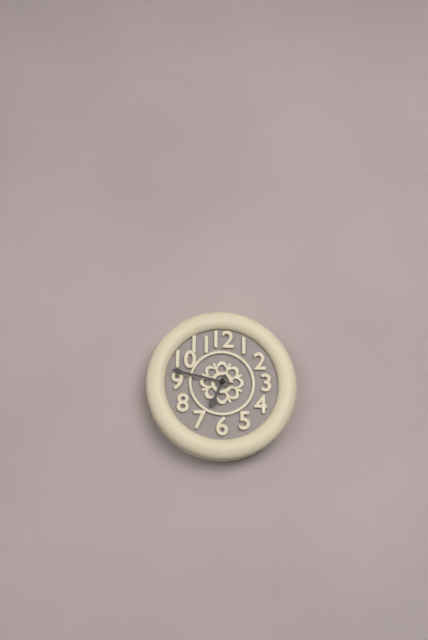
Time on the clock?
6:47
